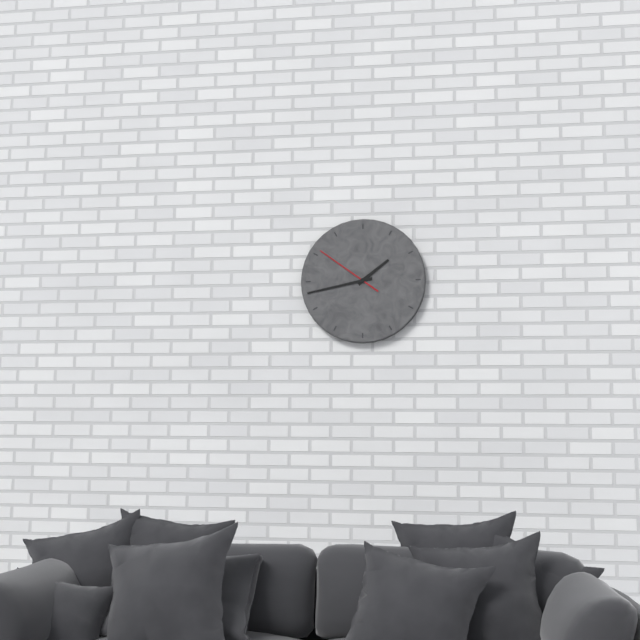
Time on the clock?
1:43:51
